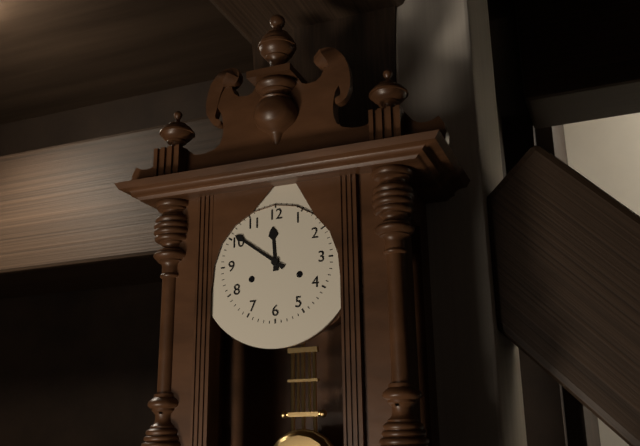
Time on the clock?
11:51
